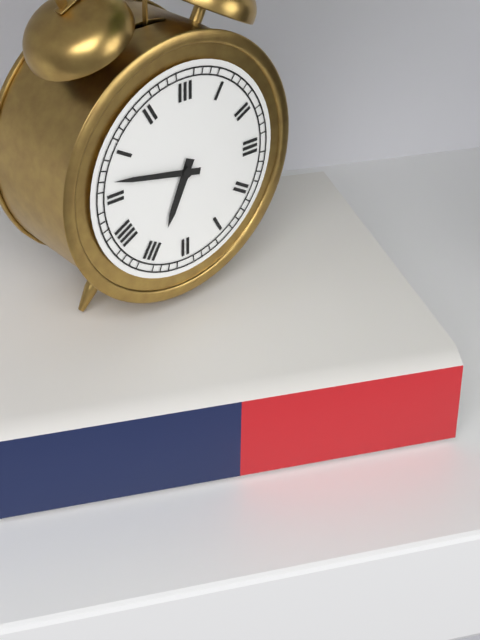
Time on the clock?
6:47
